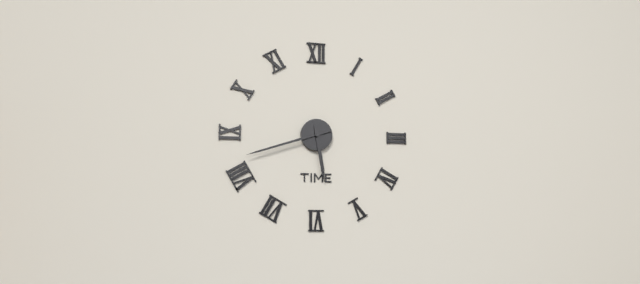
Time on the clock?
5:42
